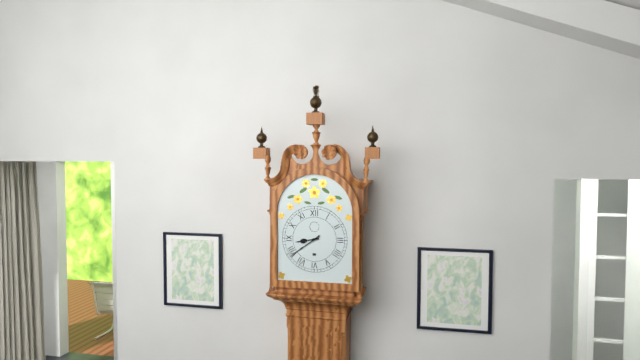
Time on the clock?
8:39
